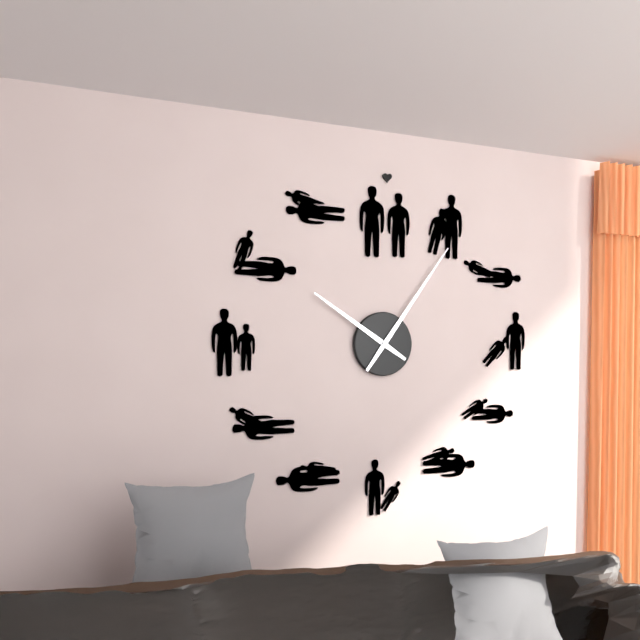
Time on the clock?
10:06
